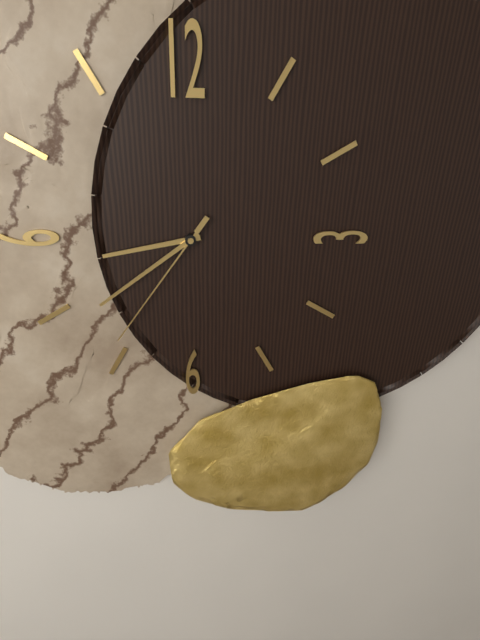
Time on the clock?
8:39:36
